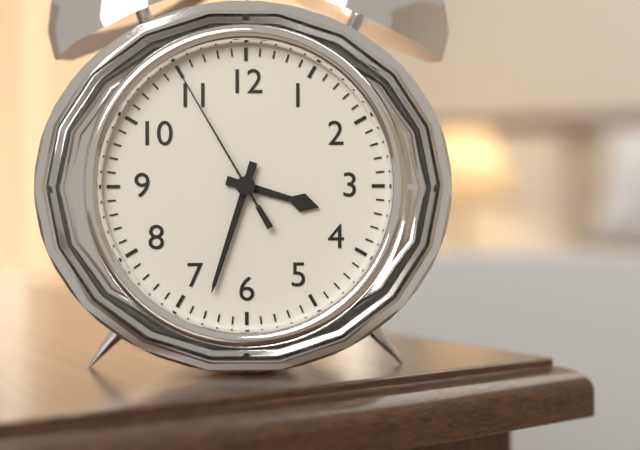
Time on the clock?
3:33:55
